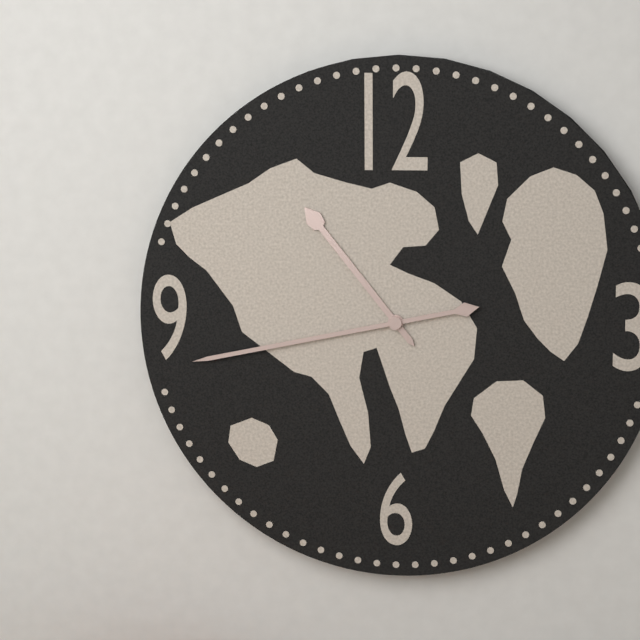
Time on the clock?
10:43
